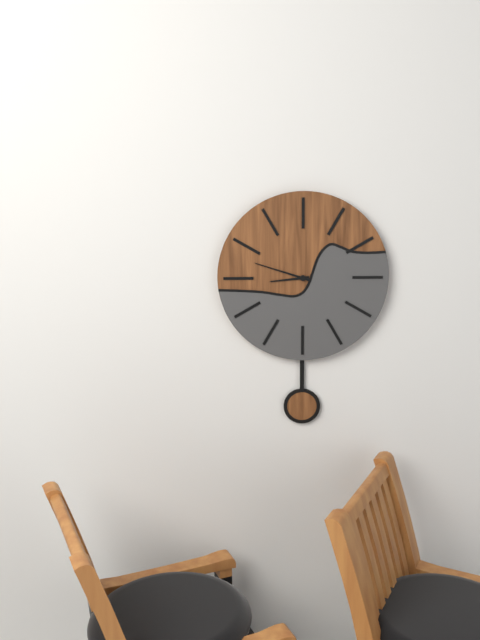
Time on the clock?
8:48
